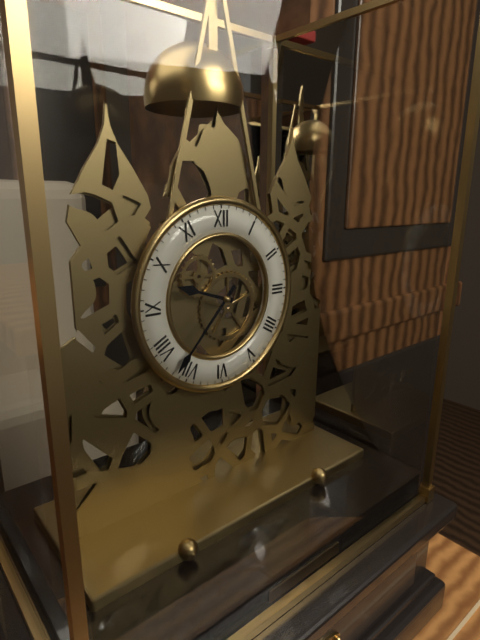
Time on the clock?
9:37
